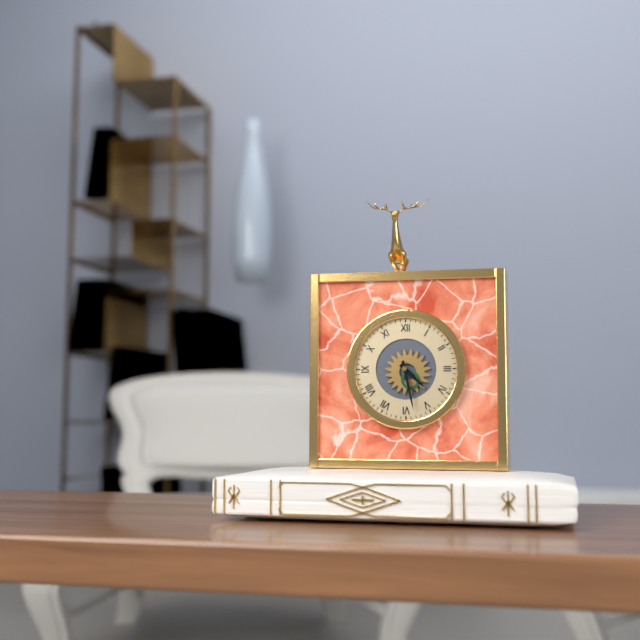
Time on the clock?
4:28
